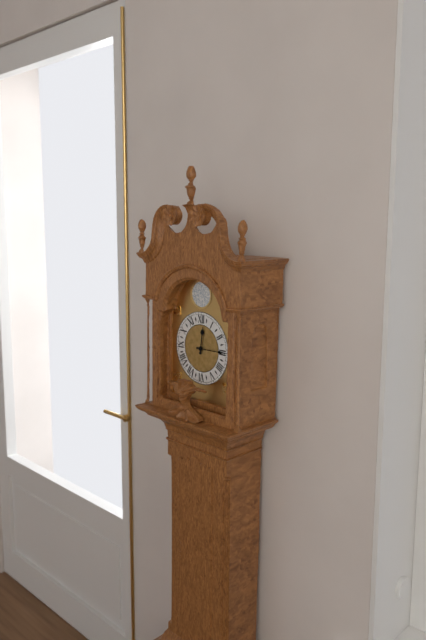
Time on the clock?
12:15
